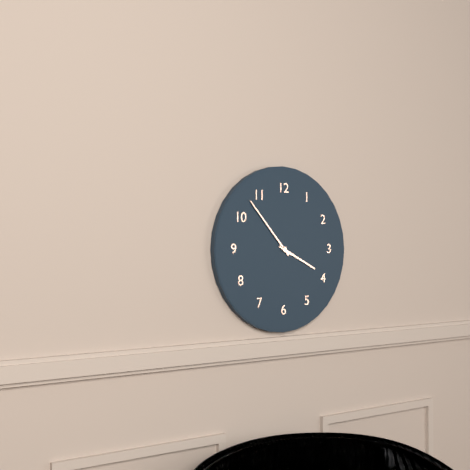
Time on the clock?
3:53
